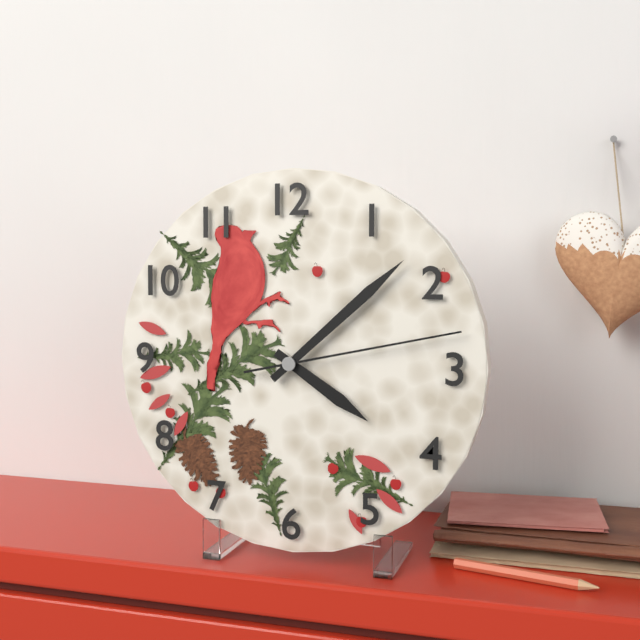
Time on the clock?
4:08:13
